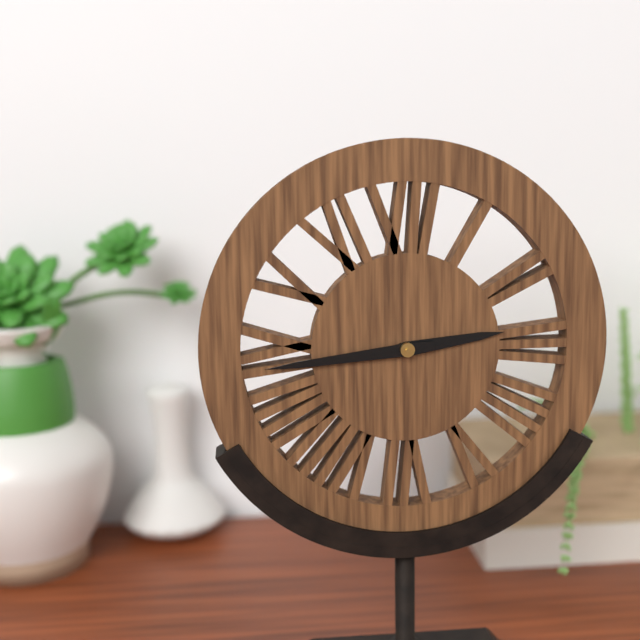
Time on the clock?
2:44
